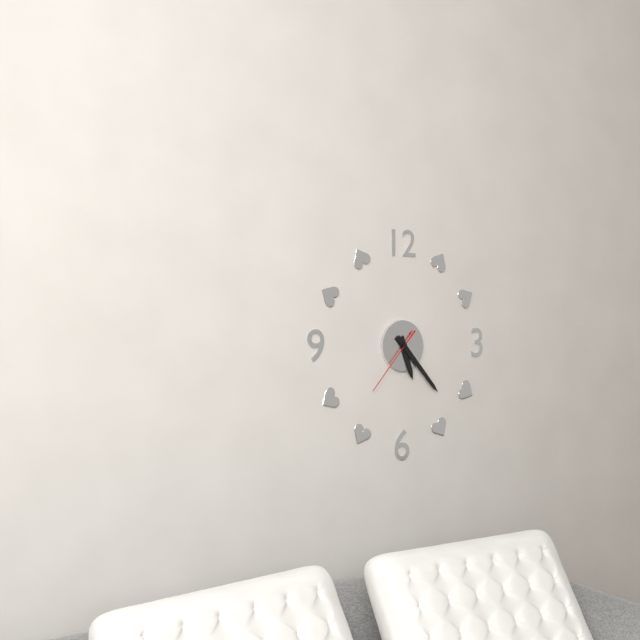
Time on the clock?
5:23:37
